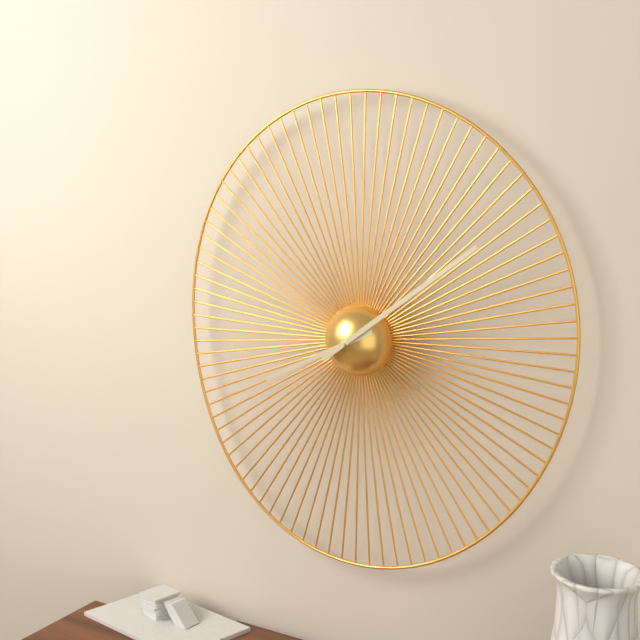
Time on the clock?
8:09
